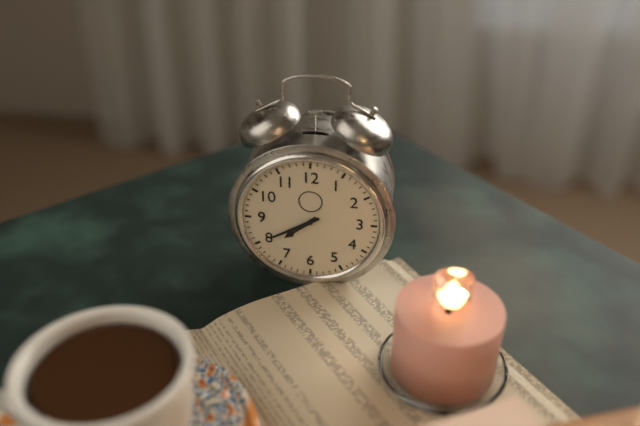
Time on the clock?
7:40
